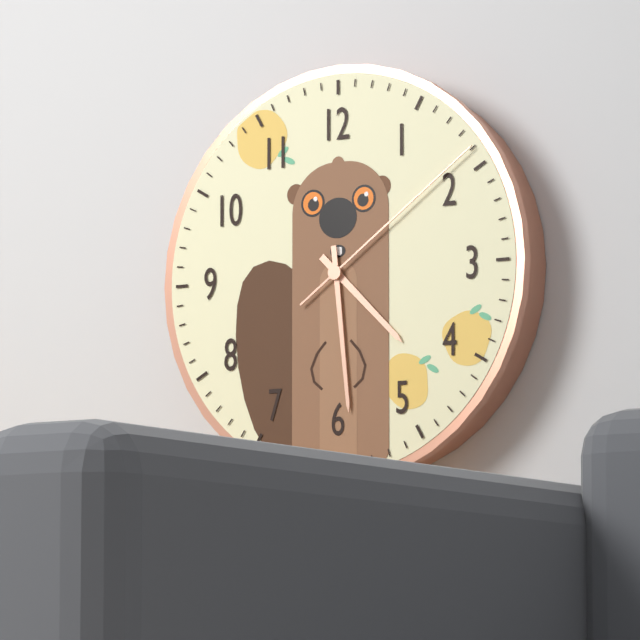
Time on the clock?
4:29:09
